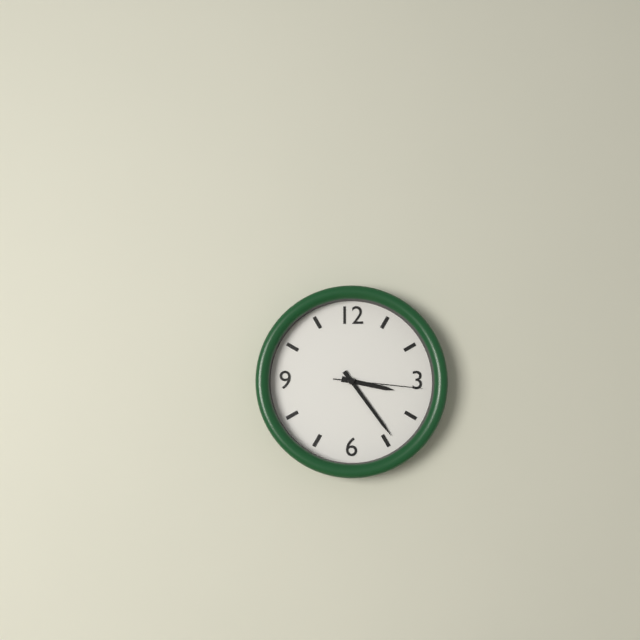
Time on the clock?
3:24:16
